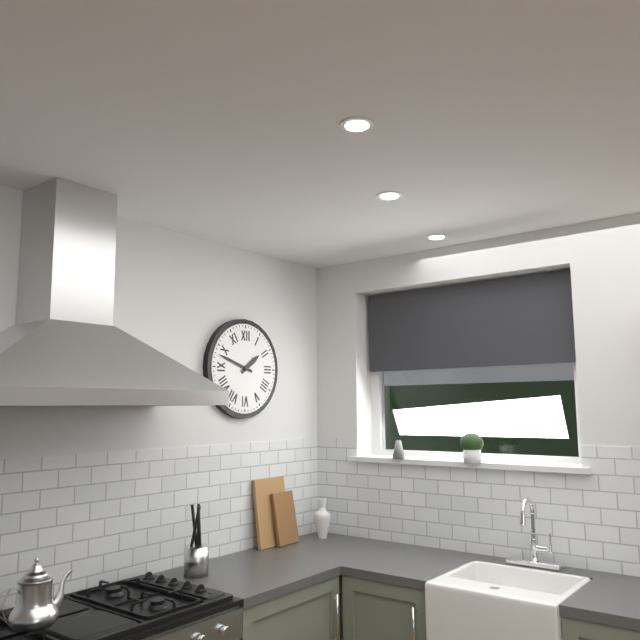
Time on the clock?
1:48
